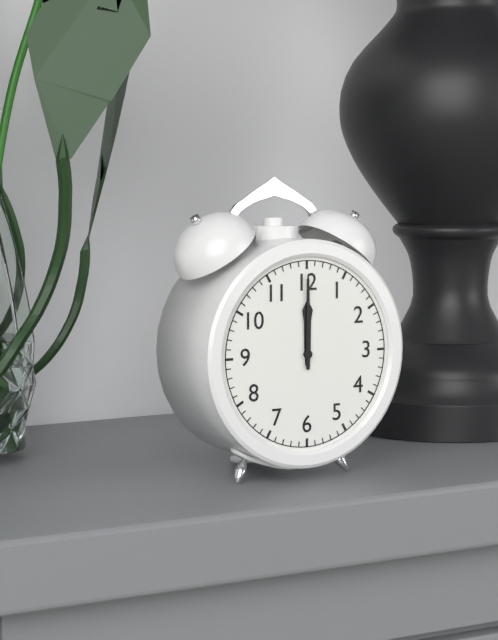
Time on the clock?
12:00
